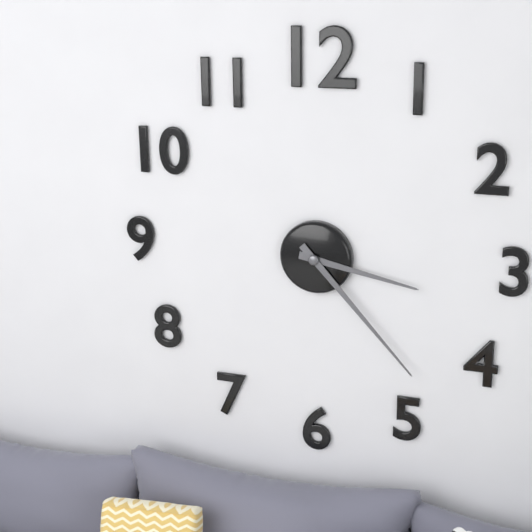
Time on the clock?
3:23
